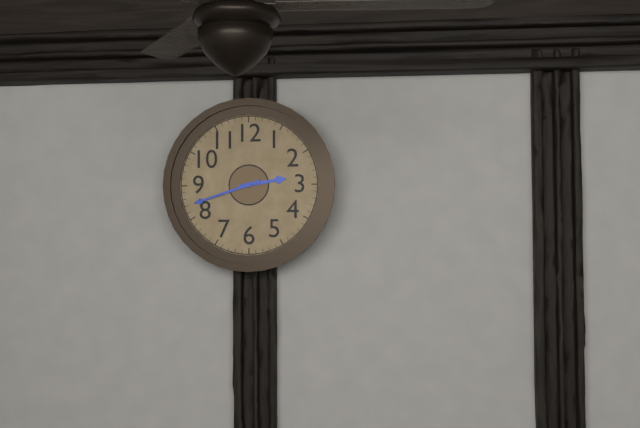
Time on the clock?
2:42
